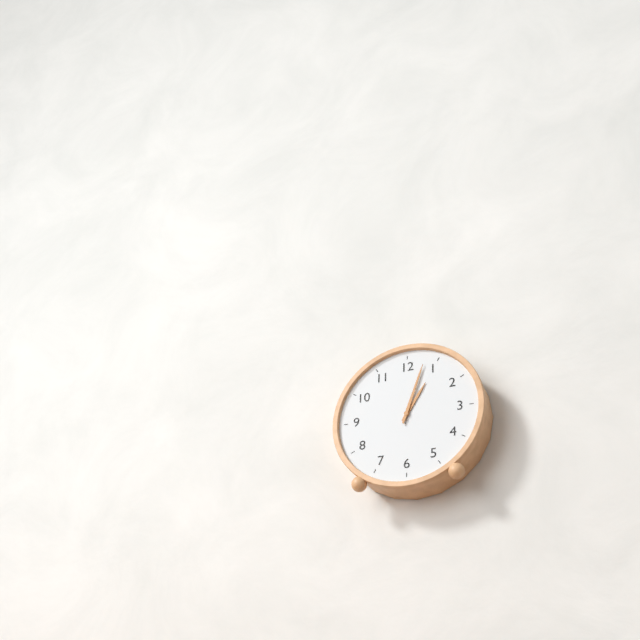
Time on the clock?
1:03
